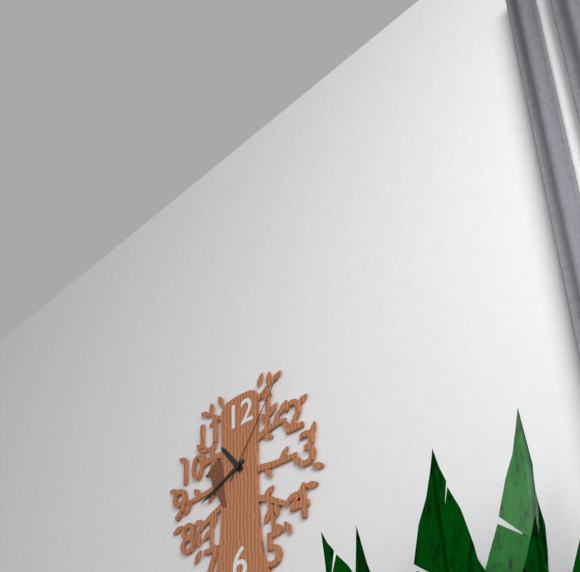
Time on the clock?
10:41:06
